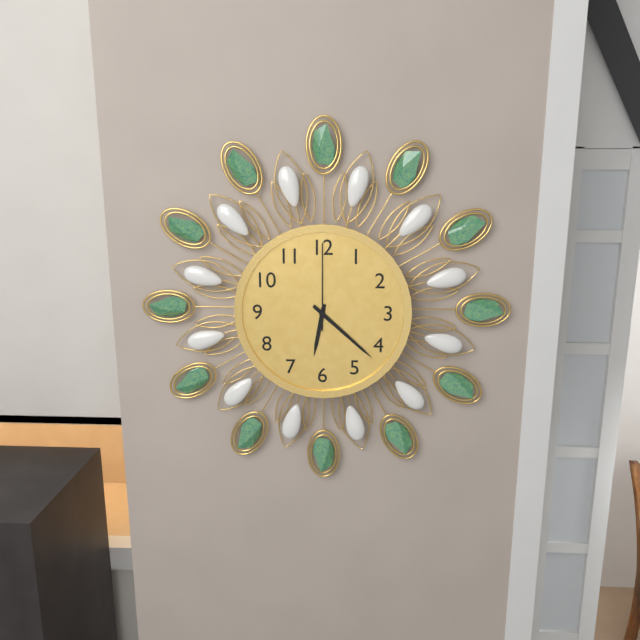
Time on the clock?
6:22:00
